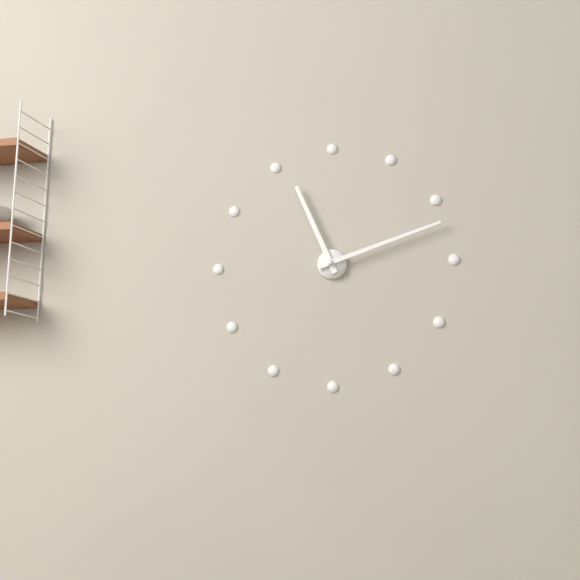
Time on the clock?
11:12
